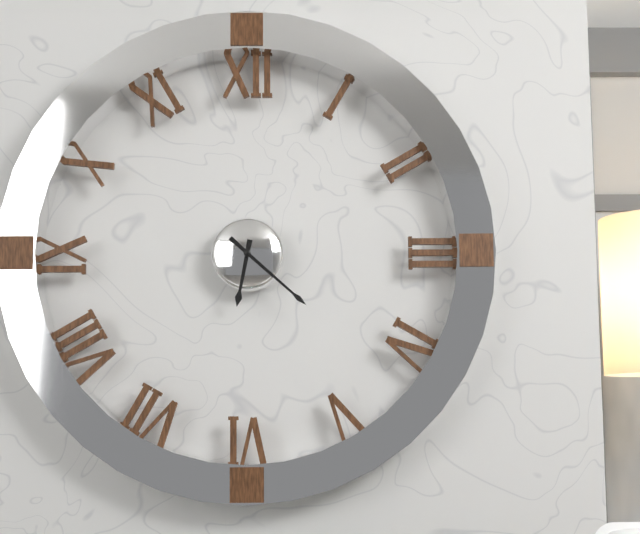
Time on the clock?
6:22
